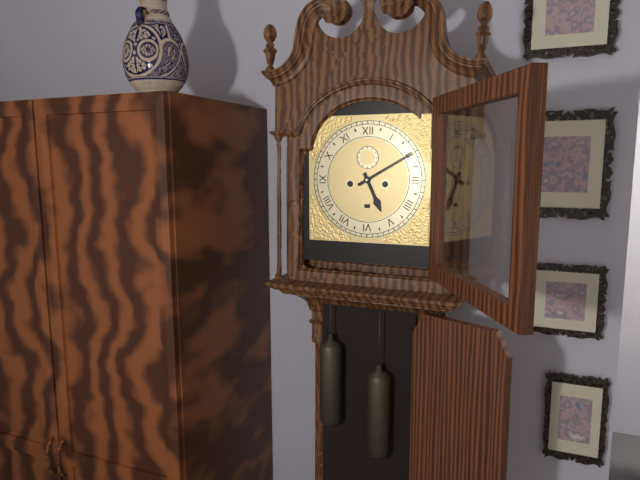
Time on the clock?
5:10
